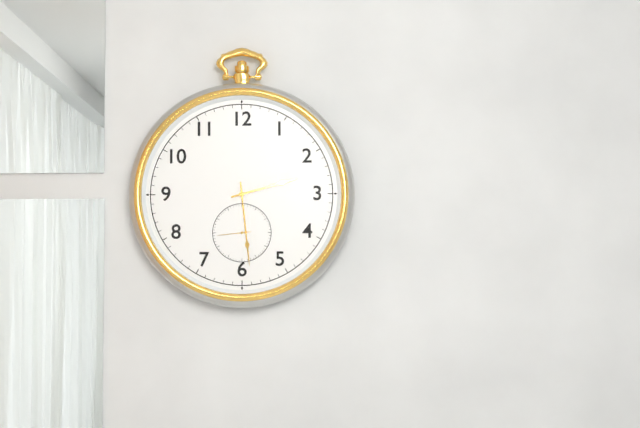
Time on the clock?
2:29
